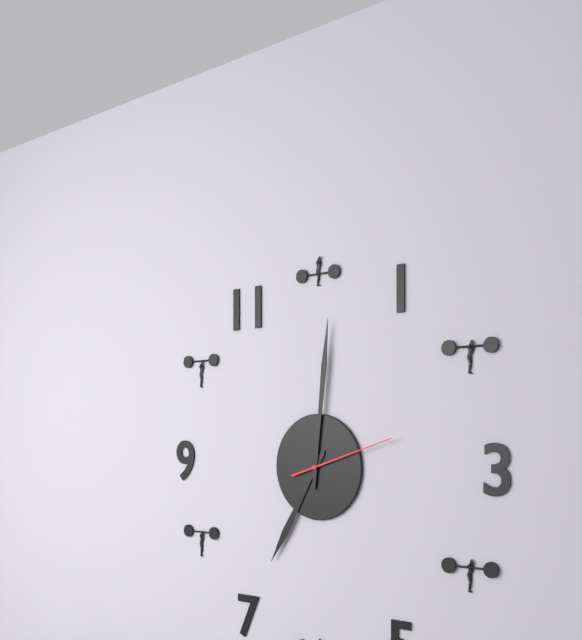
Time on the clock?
7:01:12
